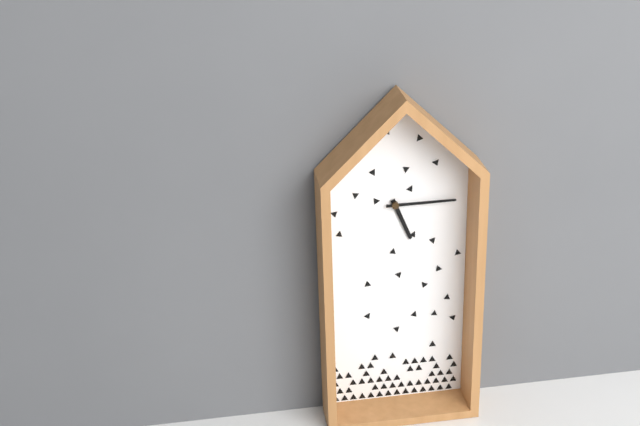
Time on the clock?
5:15
